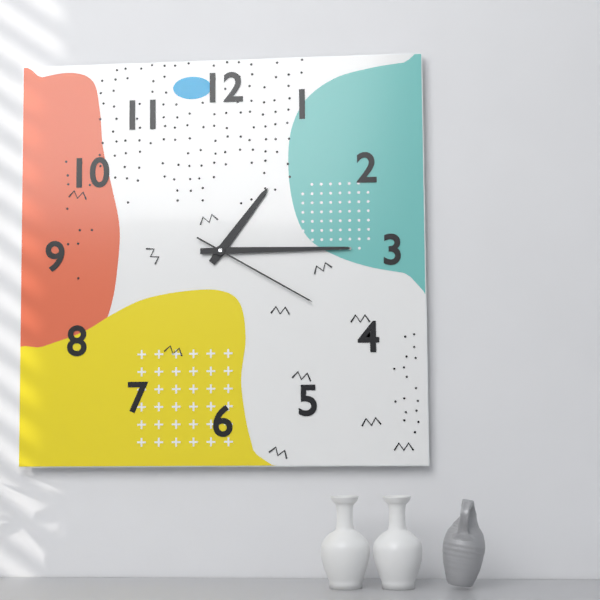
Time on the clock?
1:15:20
